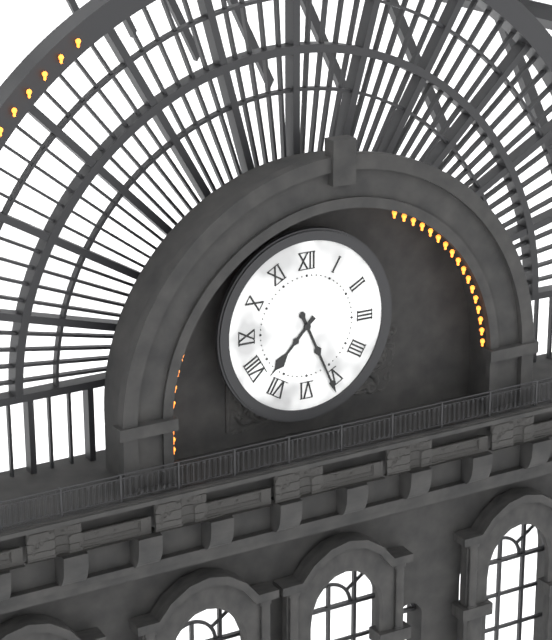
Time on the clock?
7:26
